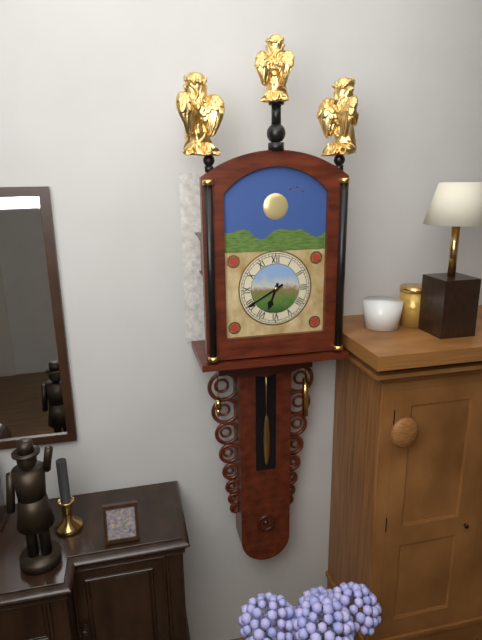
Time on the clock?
6:40
